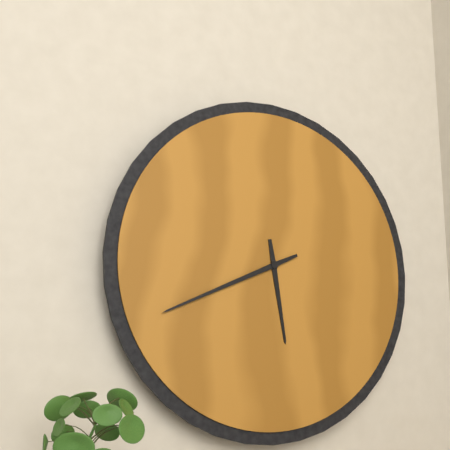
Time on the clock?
5:41
